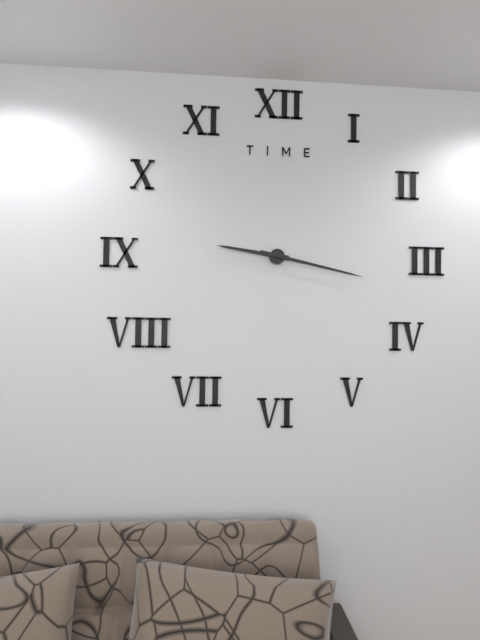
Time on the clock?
9:17
